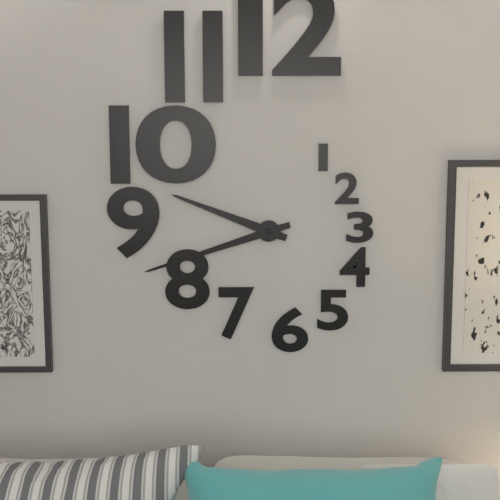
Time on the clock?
9:42
